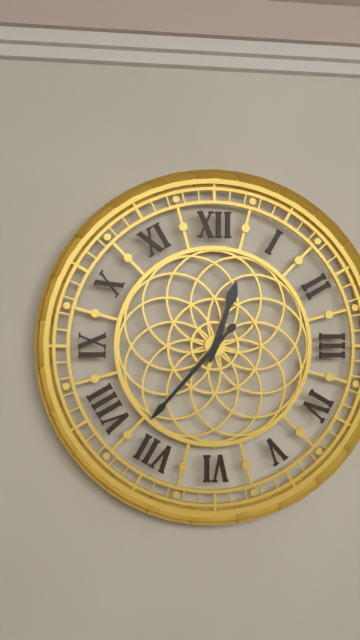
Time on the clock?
12:37
